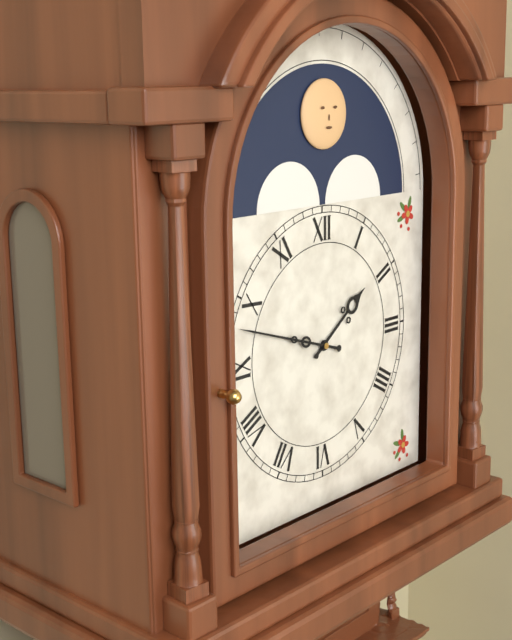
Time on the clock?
1:48
